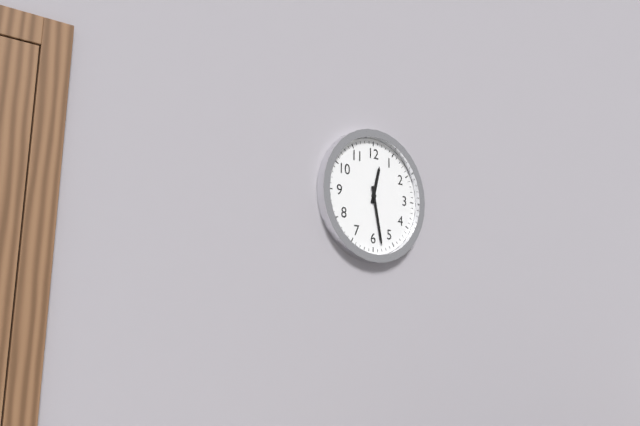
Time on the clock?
12:28
